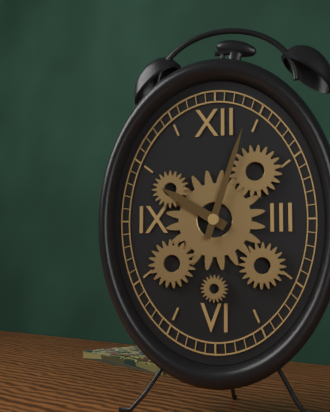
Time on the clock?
10:03
